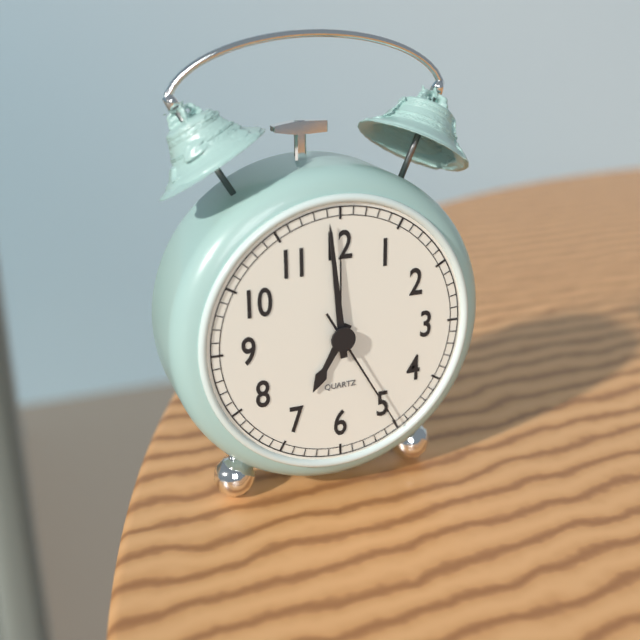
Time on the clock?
6:59:25
